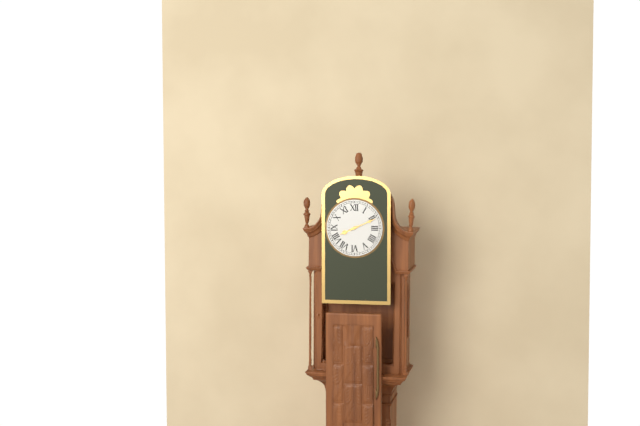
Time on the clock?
8:11
